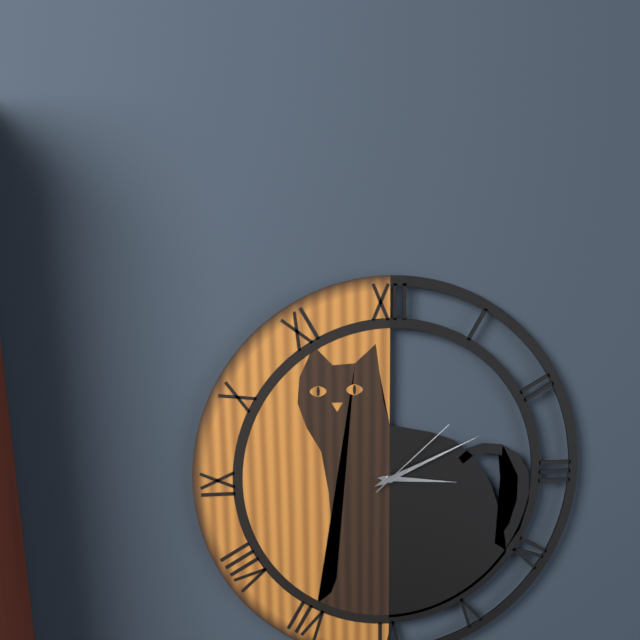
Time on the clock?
3:11:08
